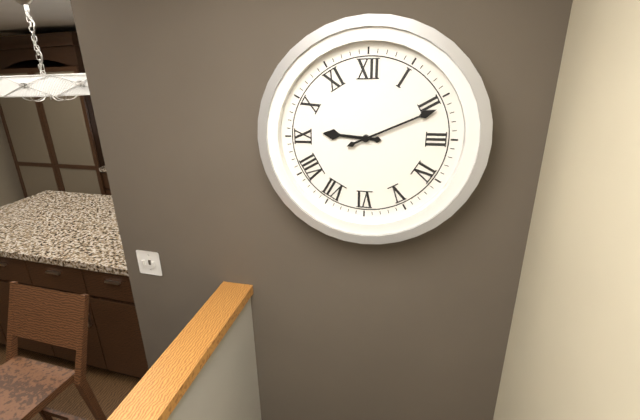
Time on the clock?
9:11
